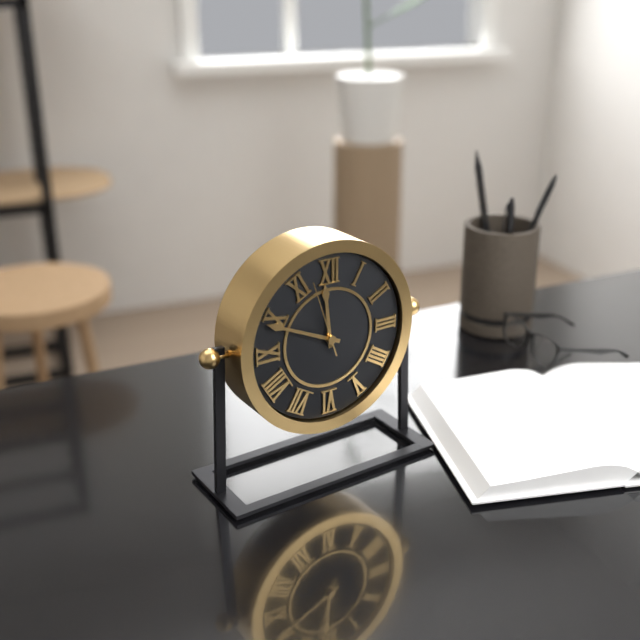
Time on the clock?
11:49:57
